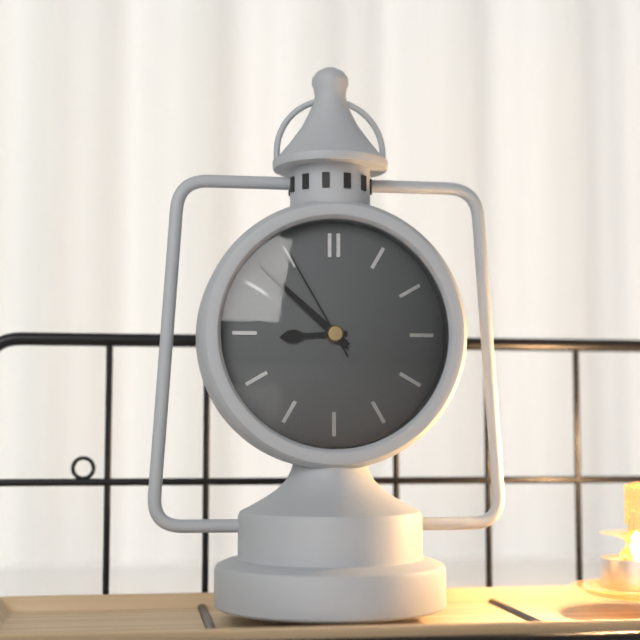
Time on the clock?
8:52:55
